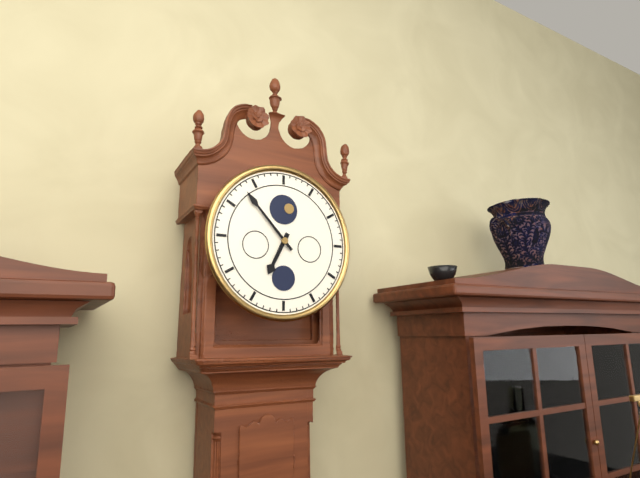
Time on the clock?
6:53
